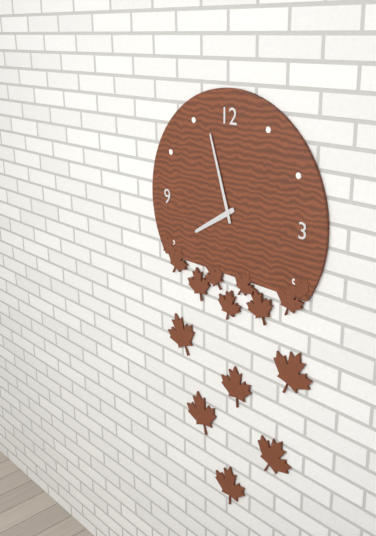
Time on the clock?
7:57
